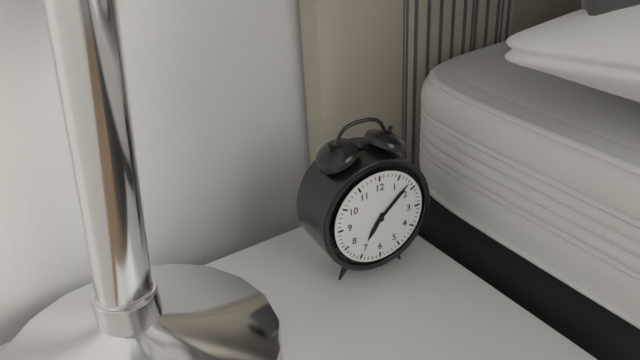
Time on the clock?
7:08
